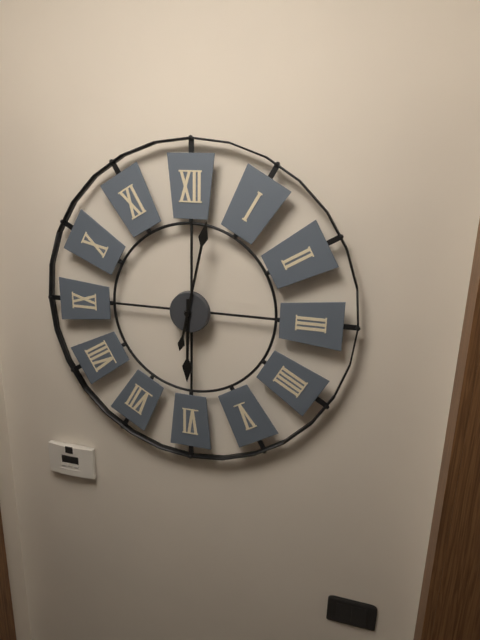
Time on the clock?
6:02
